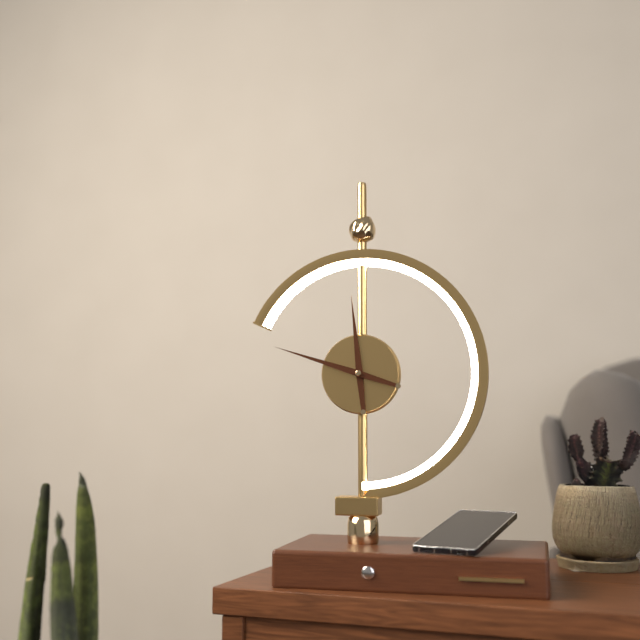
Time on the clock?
11:48
